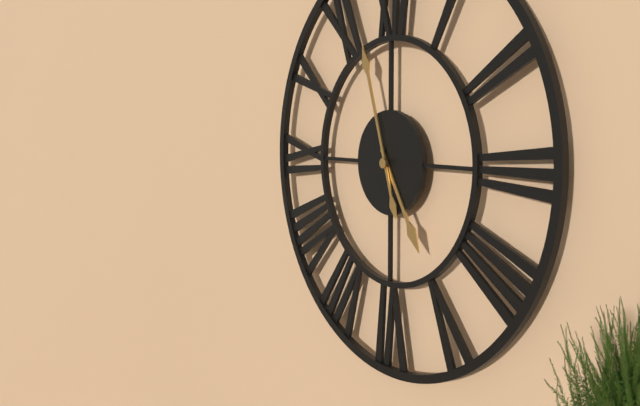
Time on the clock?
4:57
